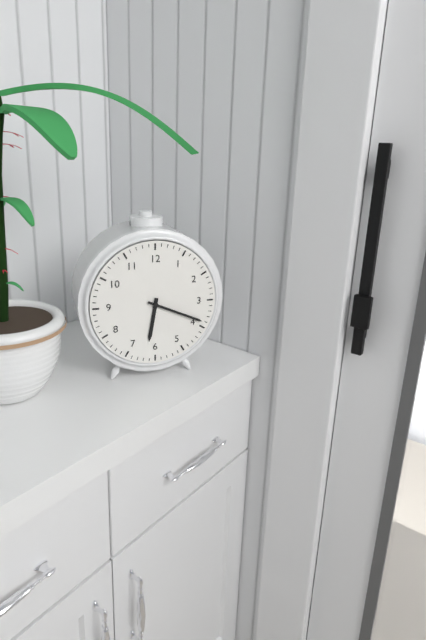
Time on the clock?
6:19
